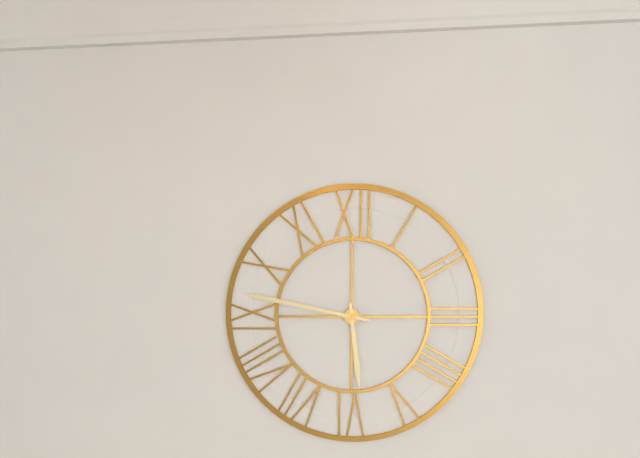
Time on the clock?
5:47
